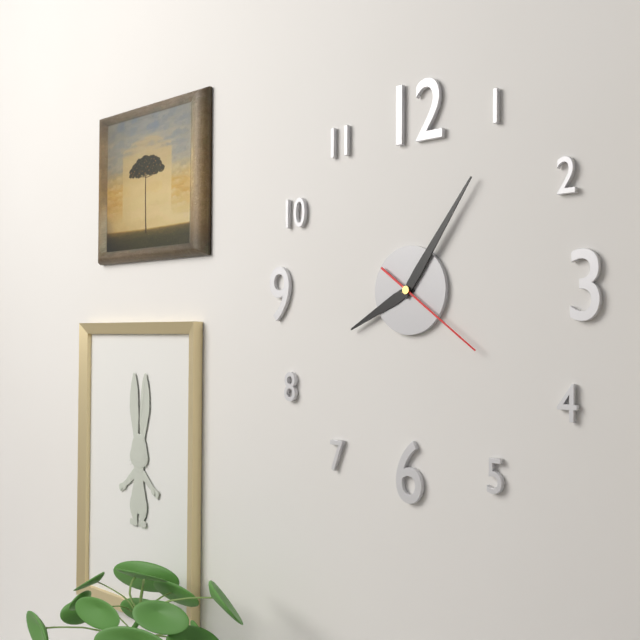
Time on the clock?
8:06:21
